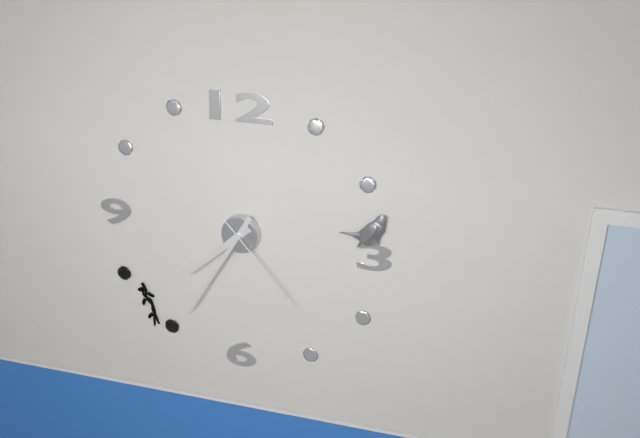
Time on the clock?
7:35:23
